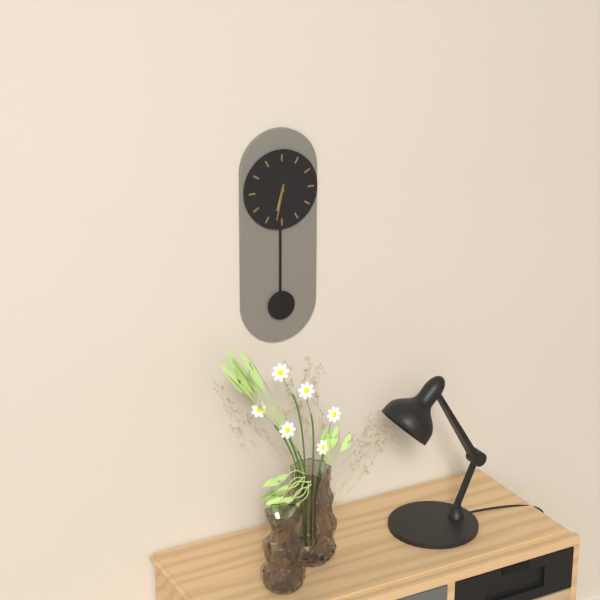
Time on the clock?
6:32
